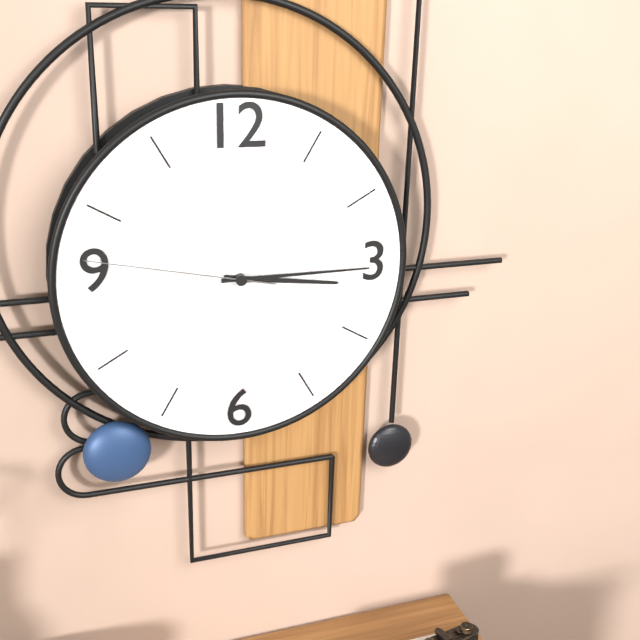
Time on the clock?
3:15:47
